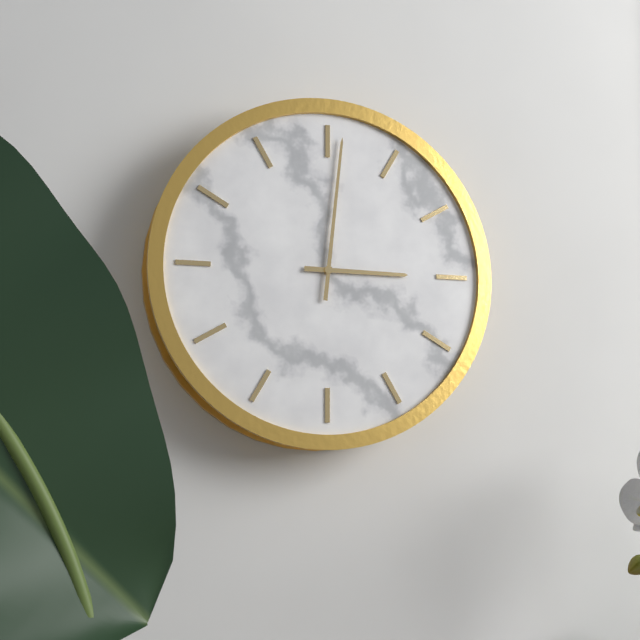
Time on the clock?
3:01
